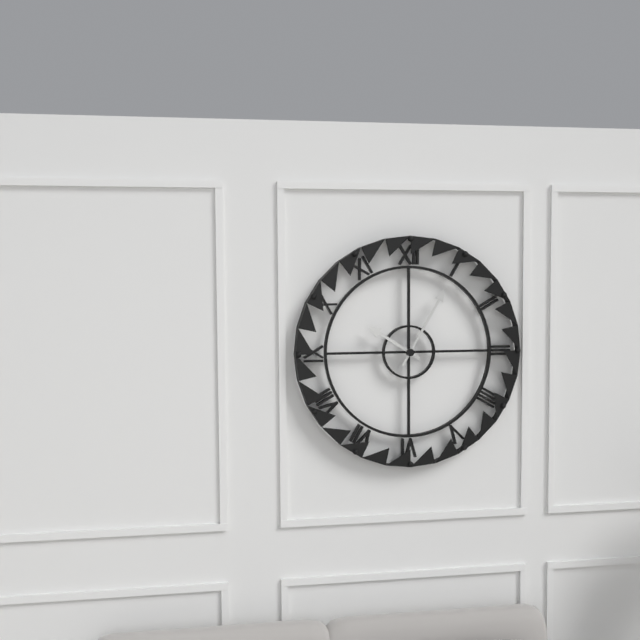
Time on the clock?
10:05
